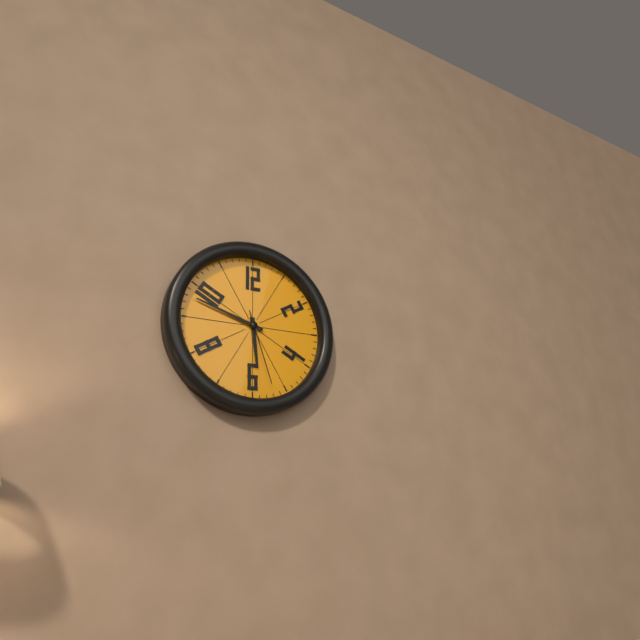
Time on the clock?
5:48:27
